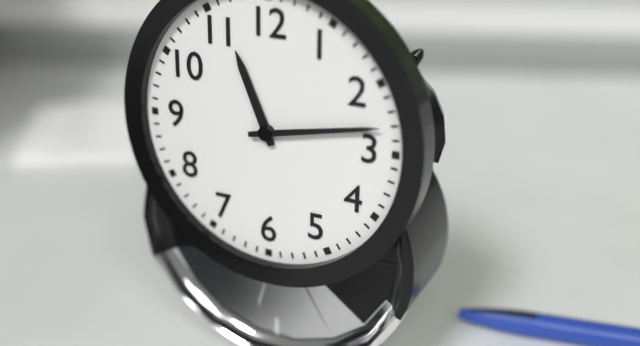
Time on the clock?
11:13
